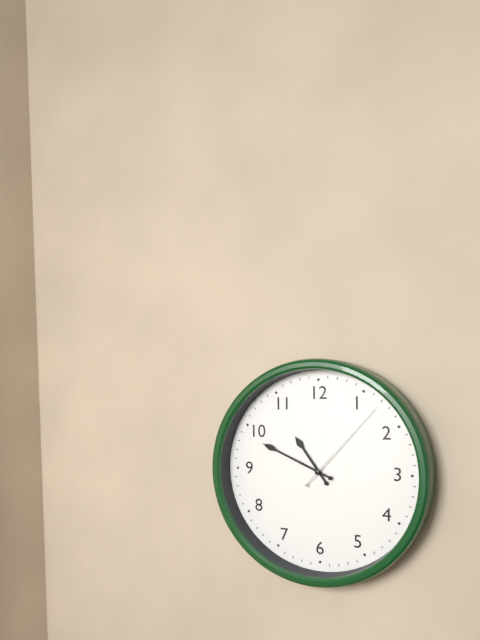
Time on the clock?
10:49:07
